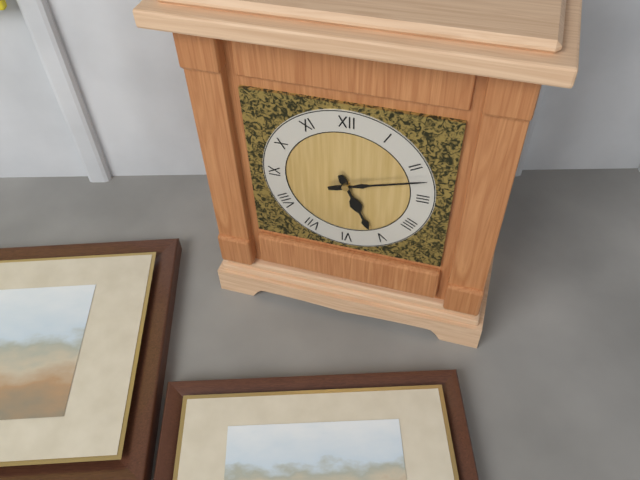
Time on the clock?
5:12
